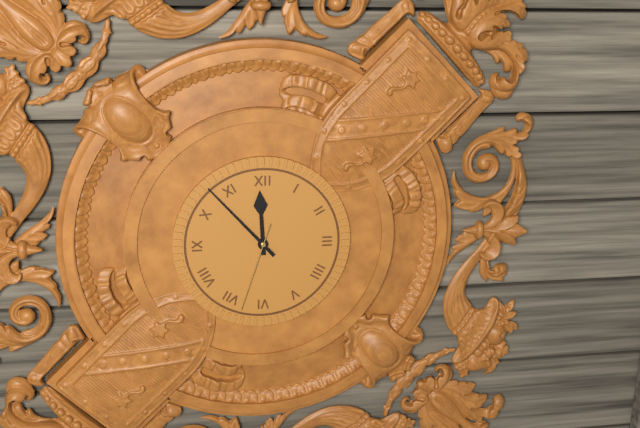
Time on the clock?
11:53:33
